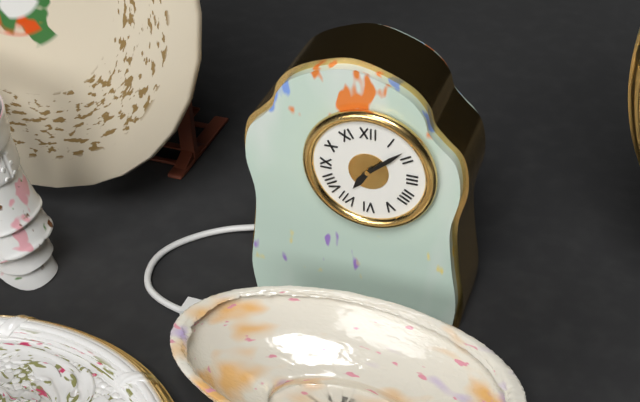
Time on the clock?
7:08
